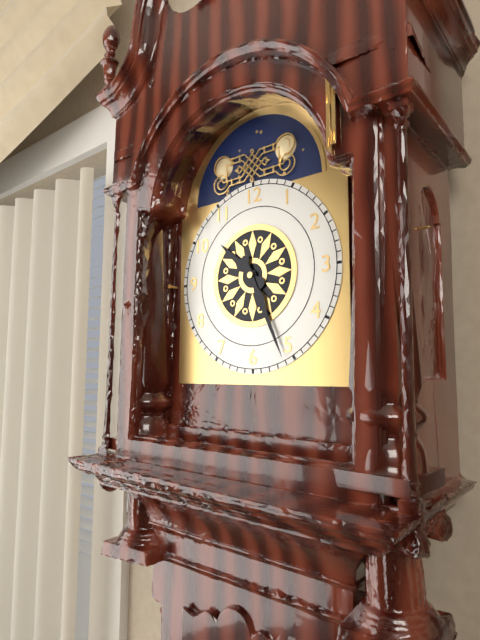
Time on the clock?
10:26
